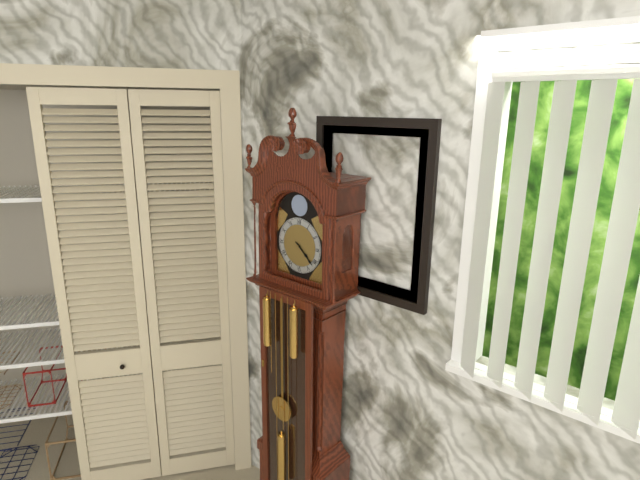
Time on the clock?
4:22
